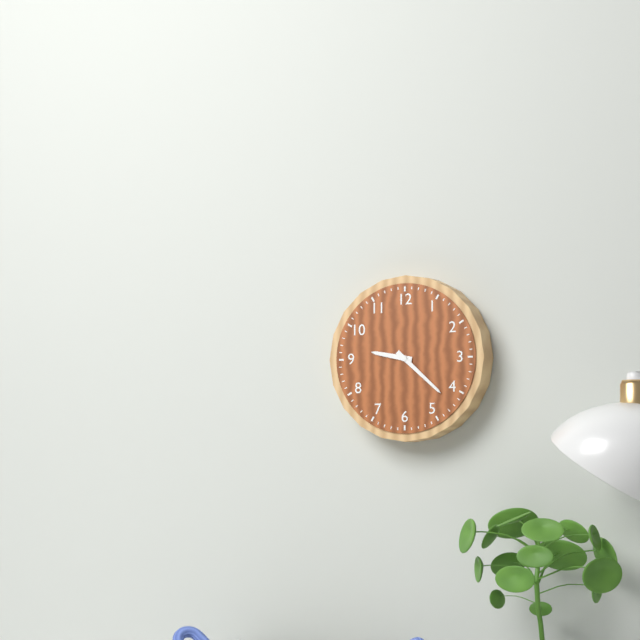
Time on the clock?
9:22
